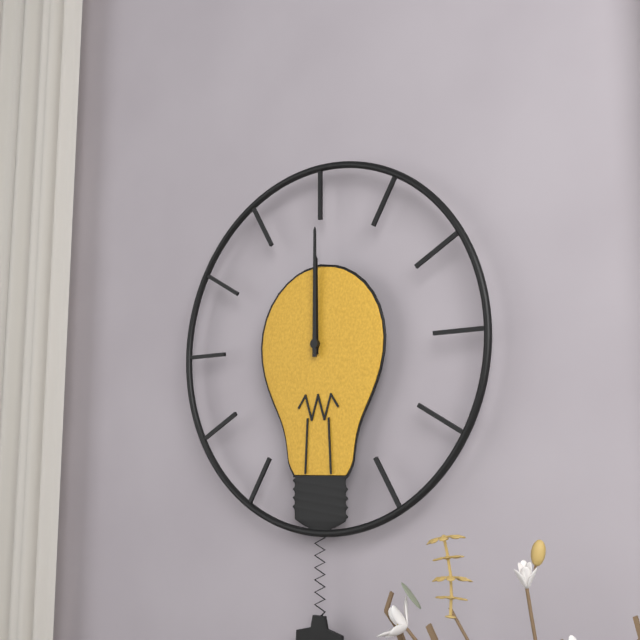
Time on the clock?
12:00
